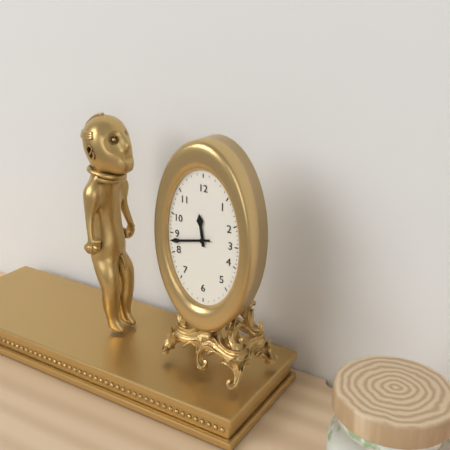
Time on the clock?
11:43
